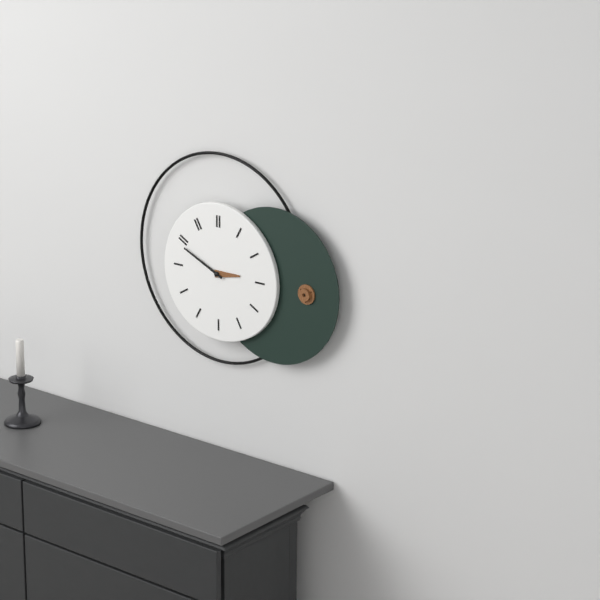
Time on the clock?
2:49
